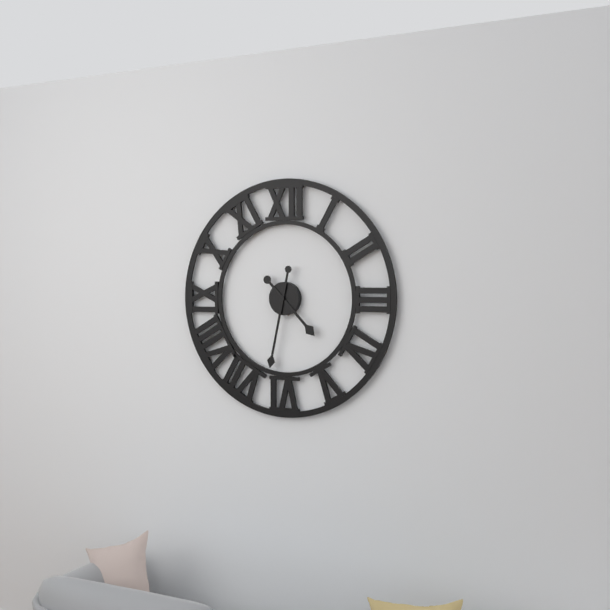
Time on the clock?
4:32
